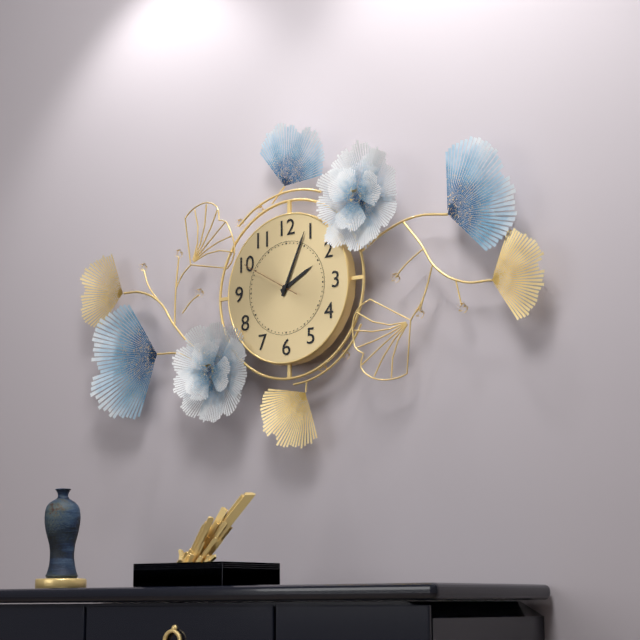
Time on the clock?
2:04:50
